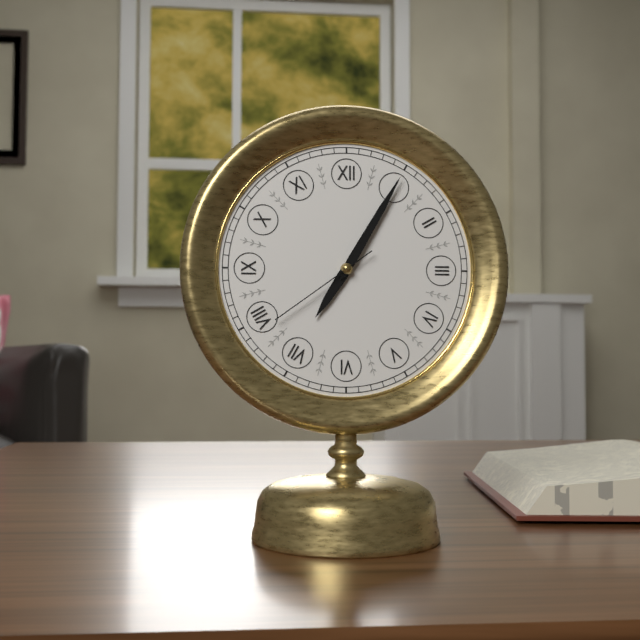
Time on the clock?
7:05:39
